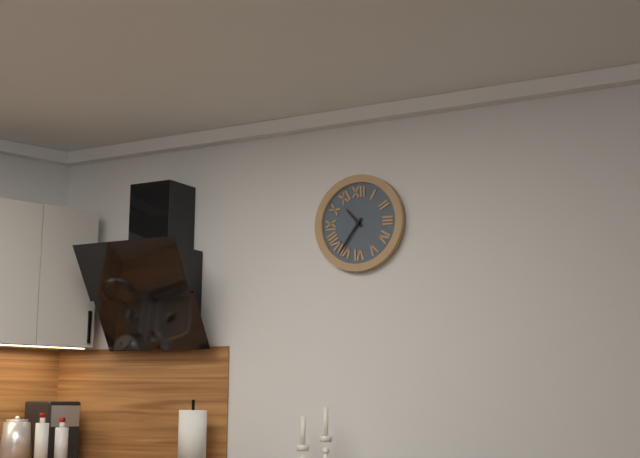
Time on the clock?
10:36
